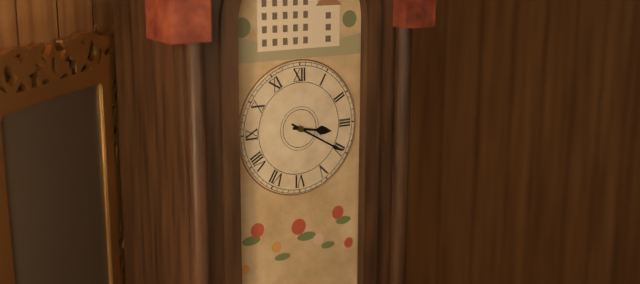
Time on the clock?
3:20
